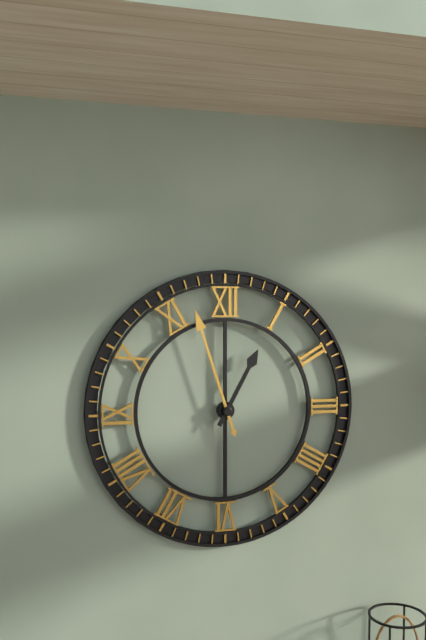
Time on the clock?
12:57
